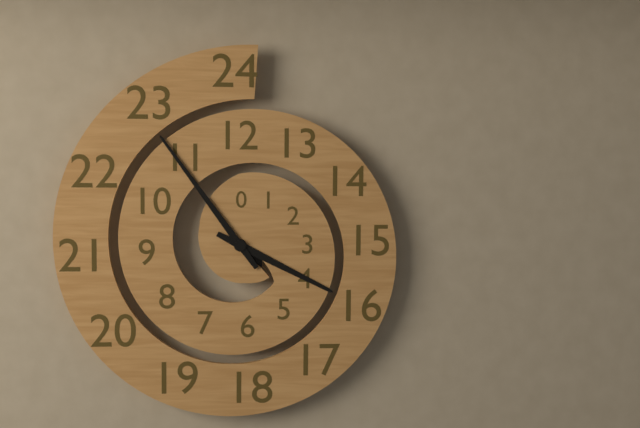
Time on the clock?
3:54
